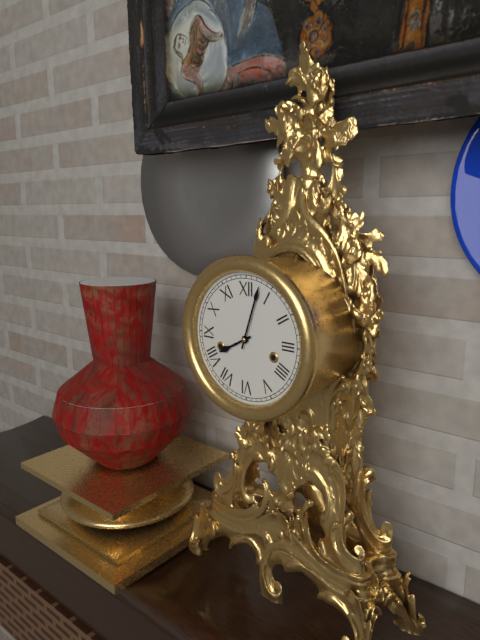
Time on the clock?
8:03
